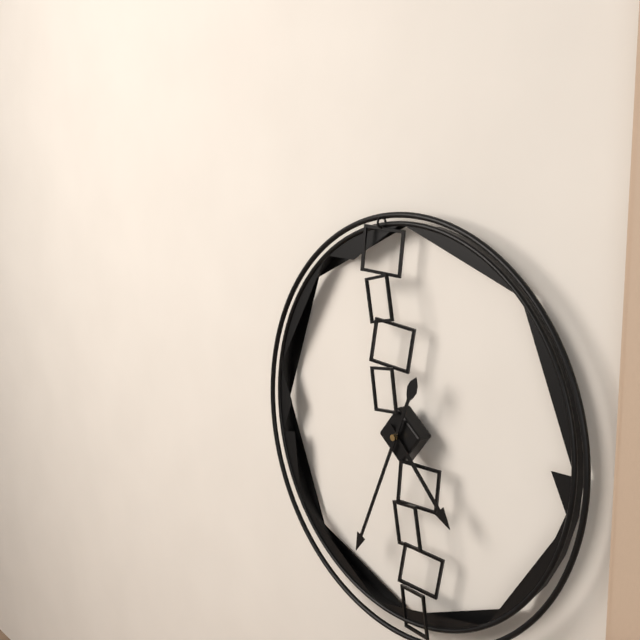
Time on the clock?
4:34
